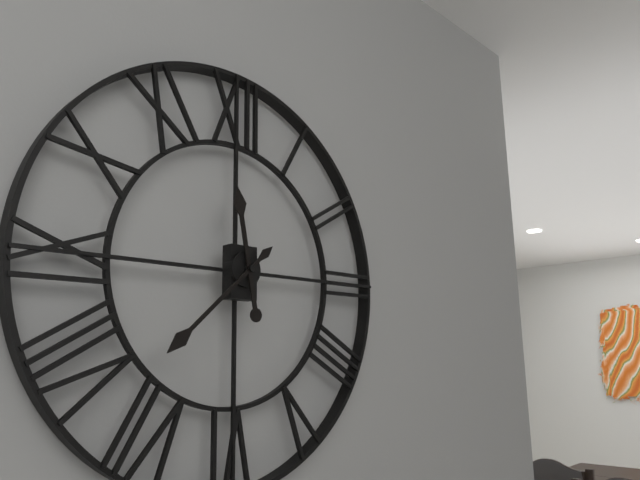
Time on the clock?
11:38
